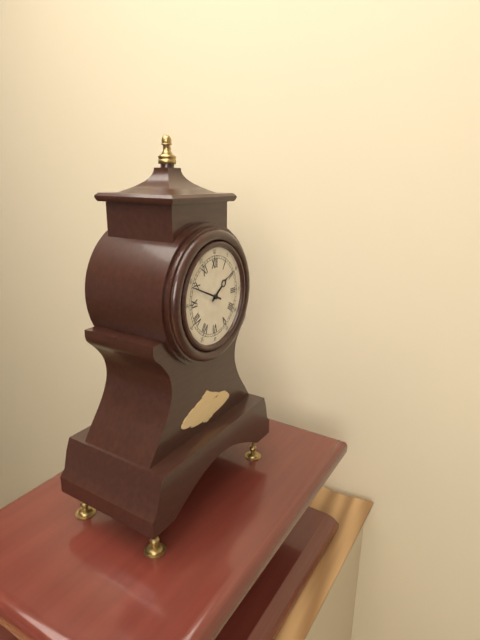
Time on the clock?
1:49
